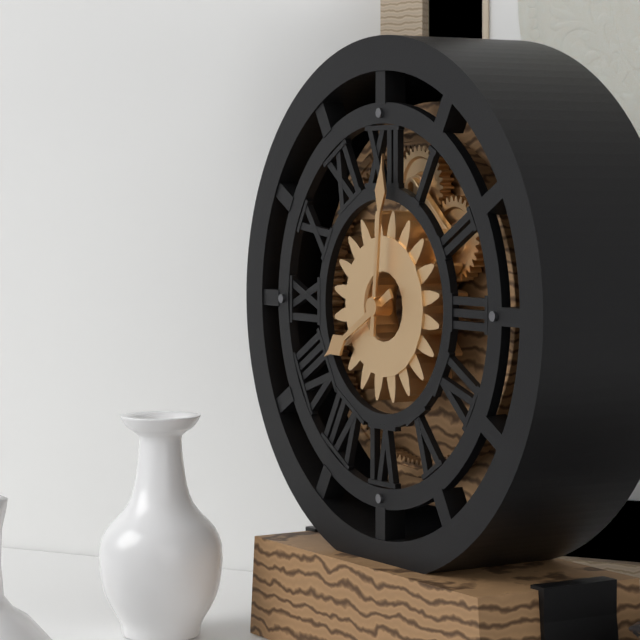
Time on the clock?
8:01
